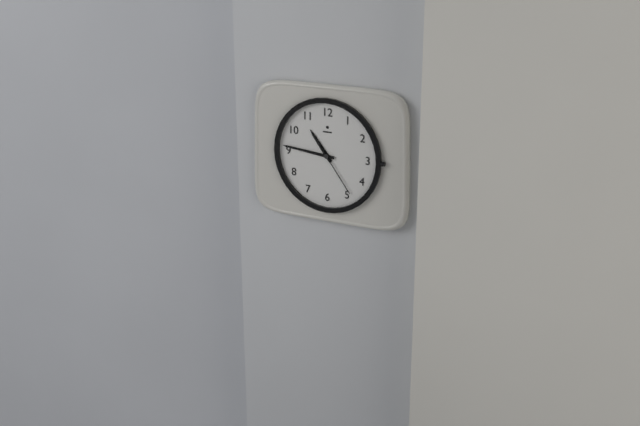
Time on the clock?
10:46:24
